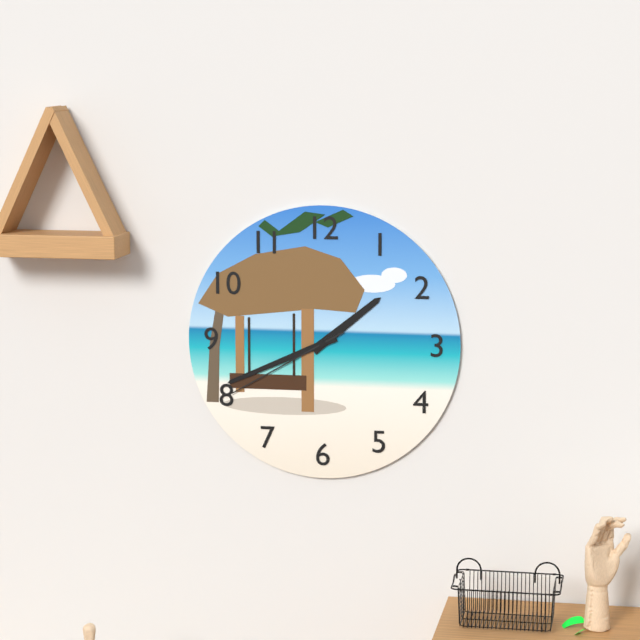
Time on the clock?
1:41:40
